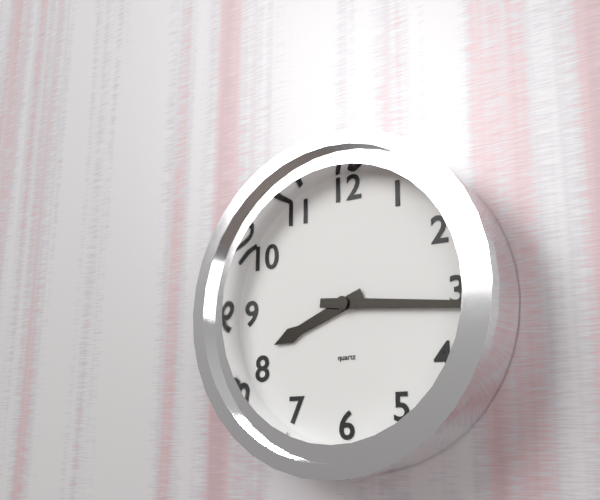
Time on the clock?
8:16
